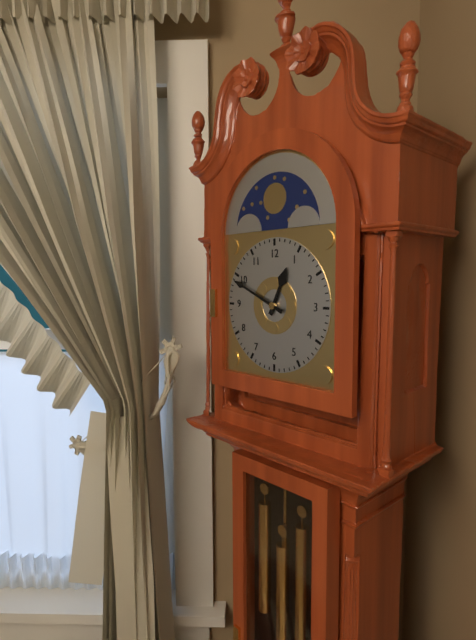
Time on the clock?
12:49
